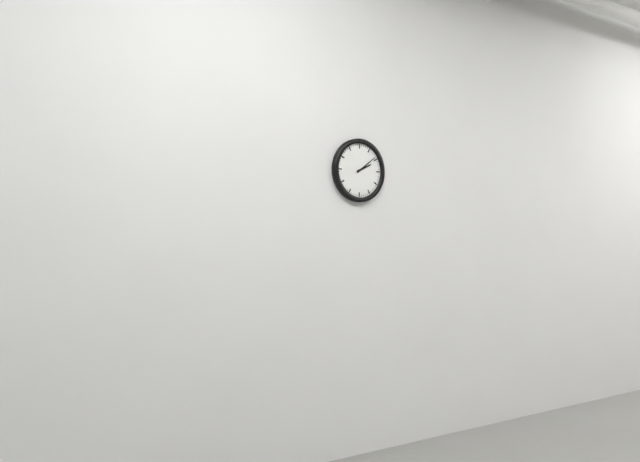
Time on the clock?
2:09
